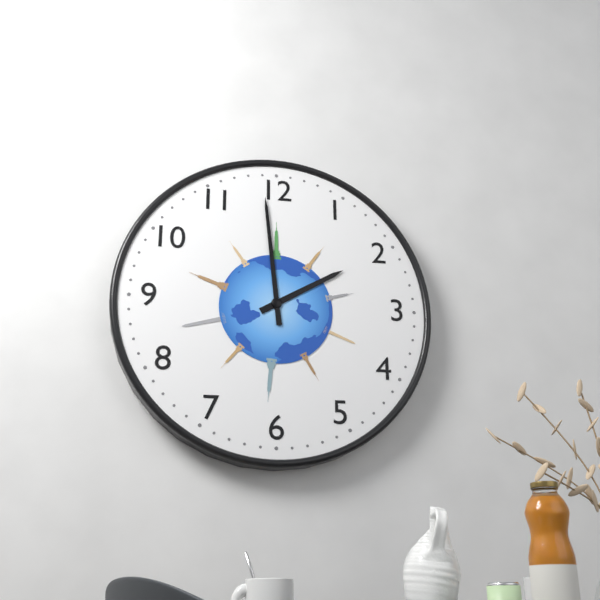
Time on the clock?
1:59
